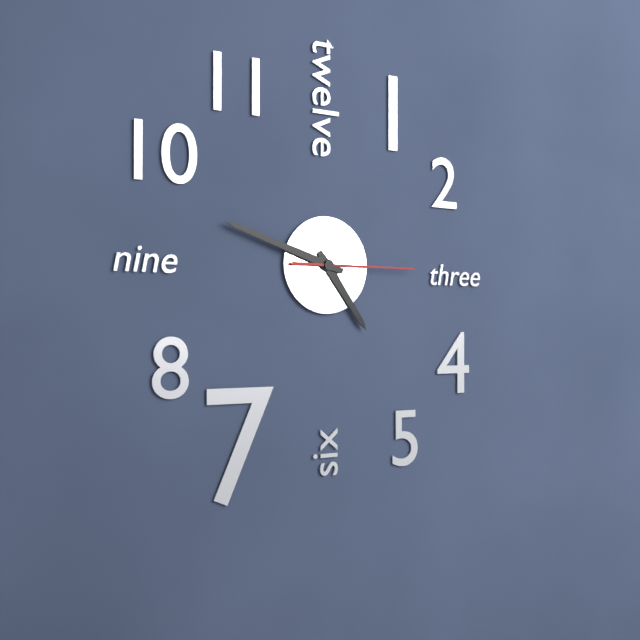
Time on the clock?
4:48:15
